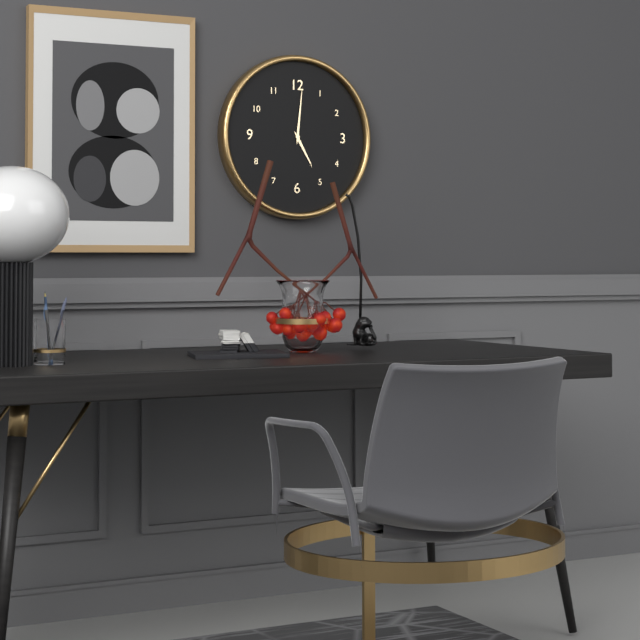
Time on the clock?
5:01
